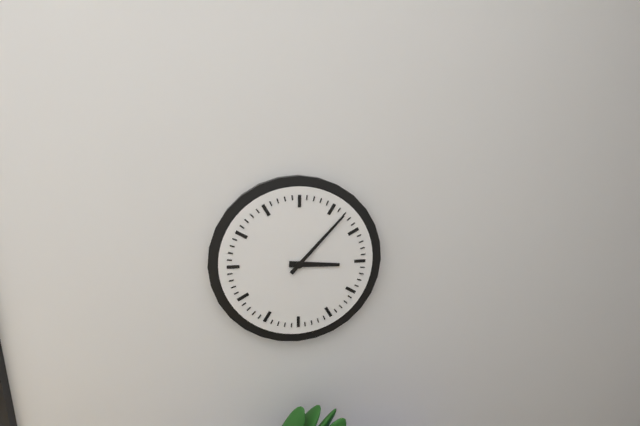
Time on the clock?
3:07
